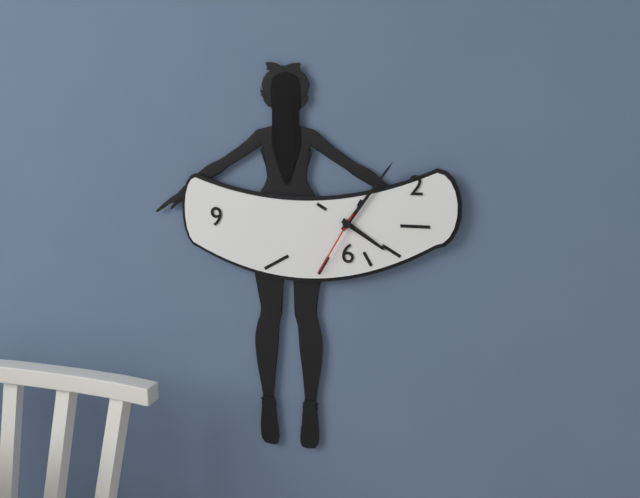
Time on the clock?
4:06:35
